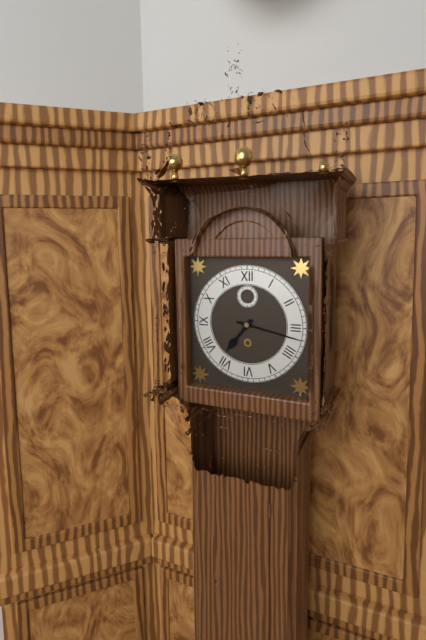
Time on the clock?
7:17
